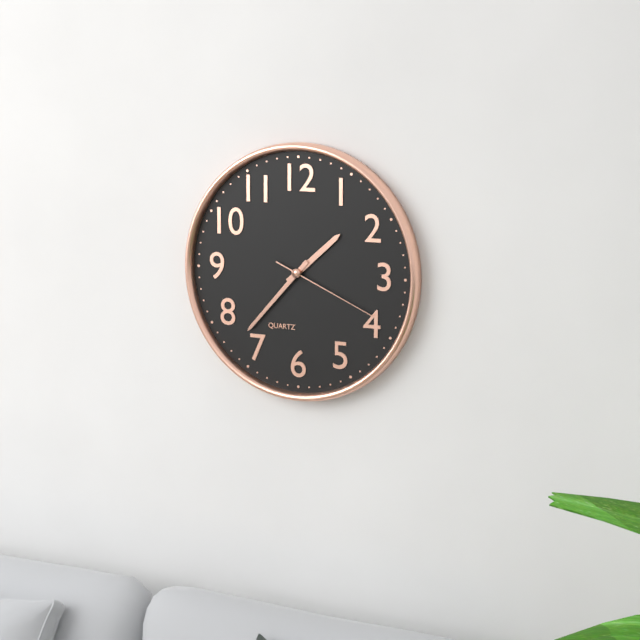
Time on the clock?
1:37:19
